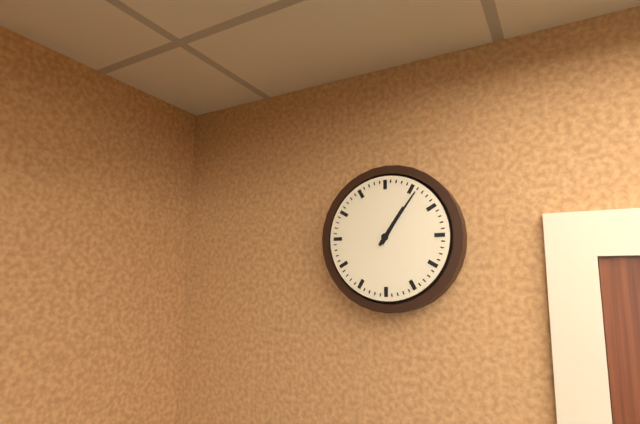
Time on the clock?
1:06
